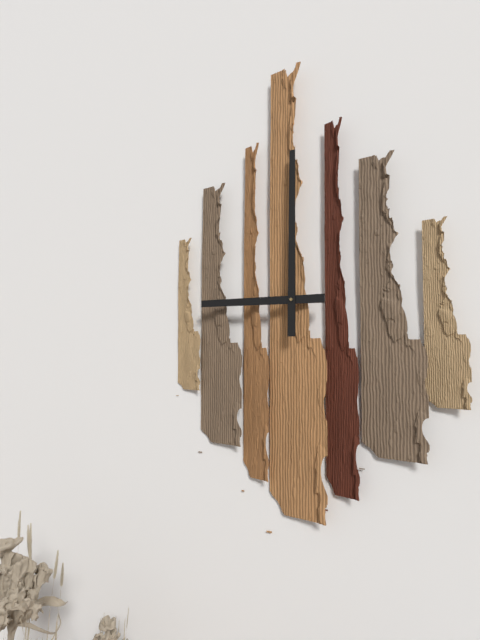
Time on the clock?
9:00
